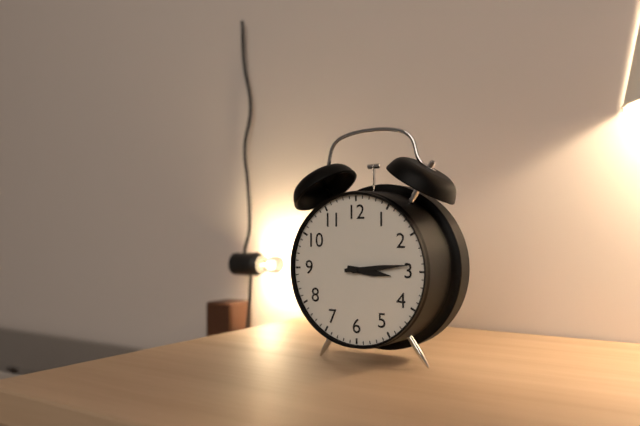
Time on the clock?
3:14
